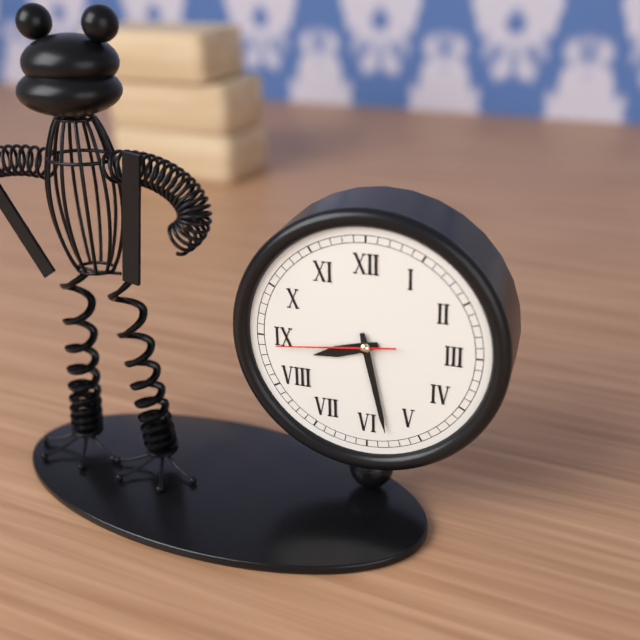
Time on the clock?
8:28:44
